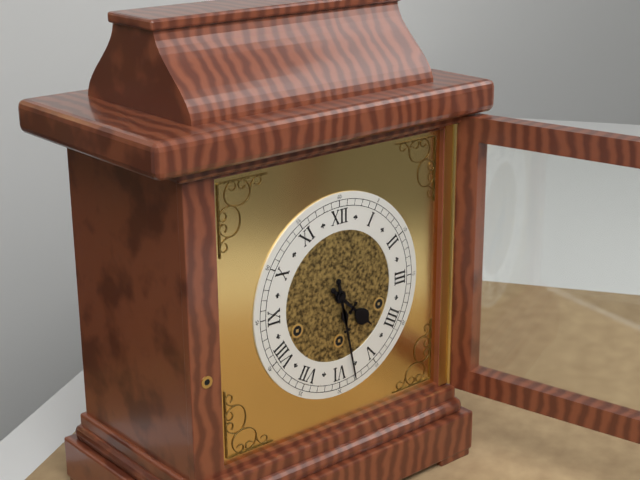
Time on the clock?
4:28
